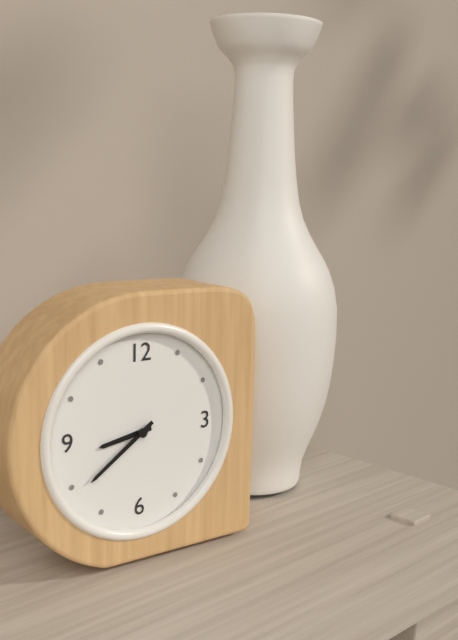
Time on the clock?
8:39
